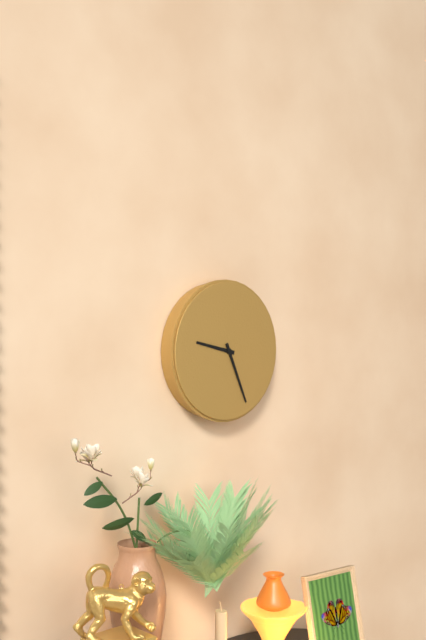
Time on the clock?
9:26
